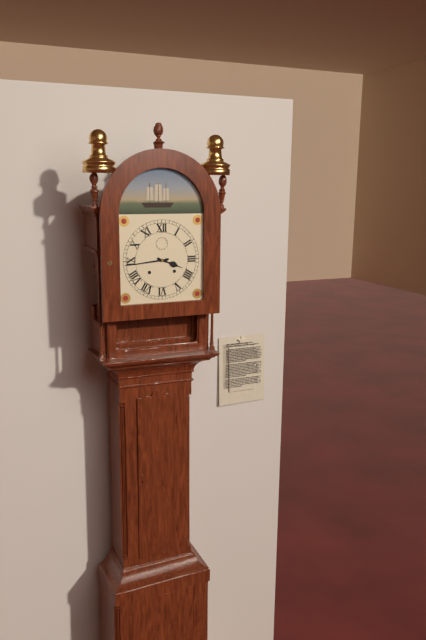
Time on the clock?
3:44
